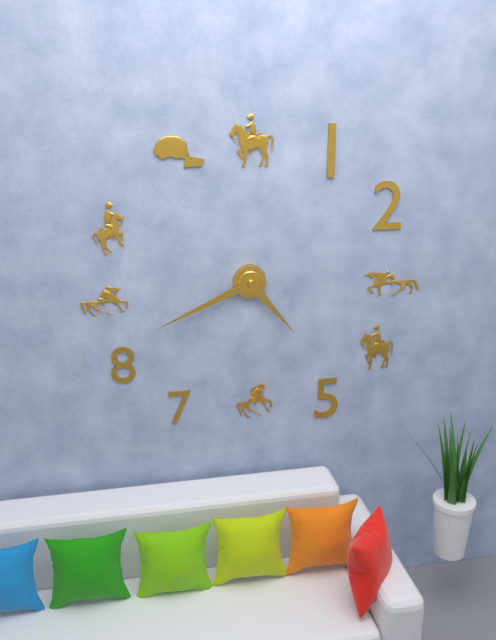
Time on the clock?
4:41
